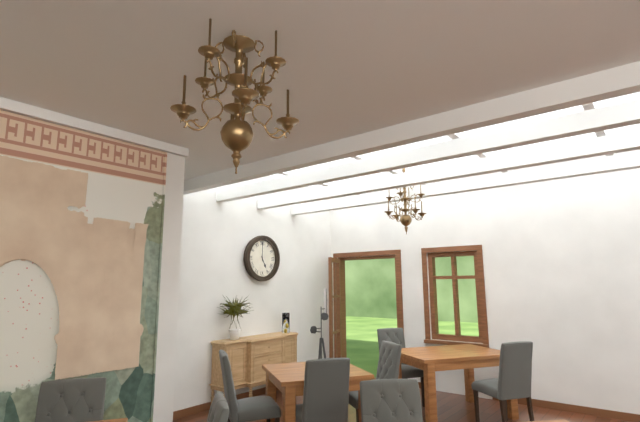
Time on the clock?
5:00
